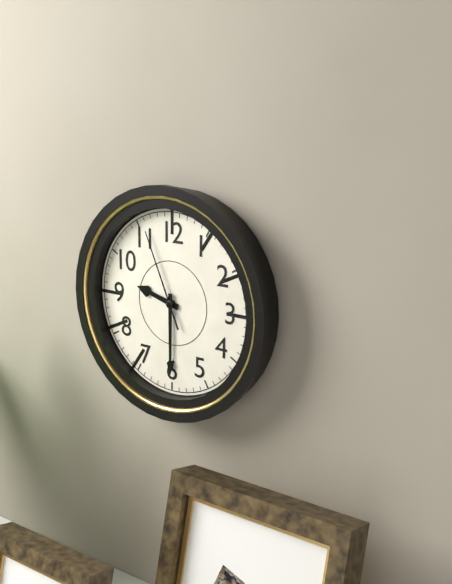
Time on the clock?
9:30:56
